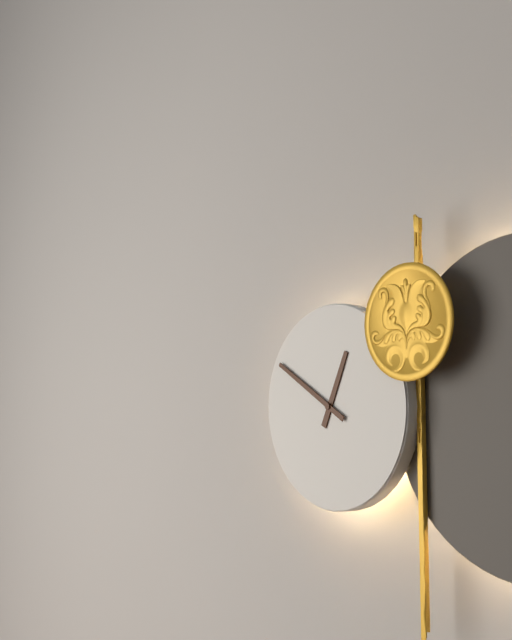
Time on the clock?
12:50
